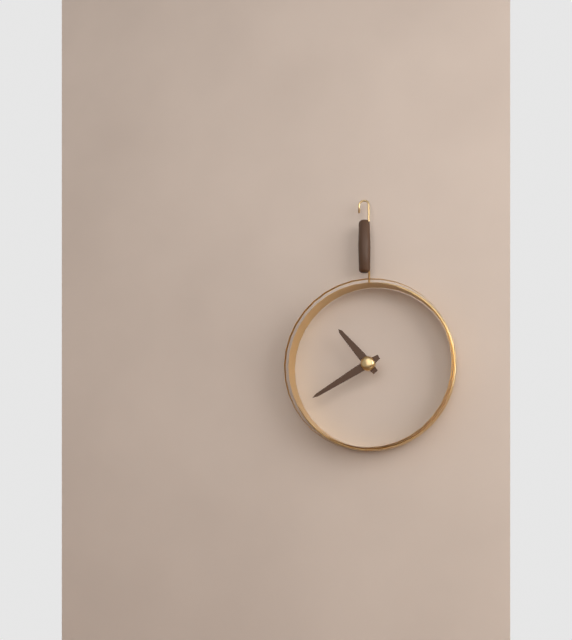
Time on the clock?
10:40
